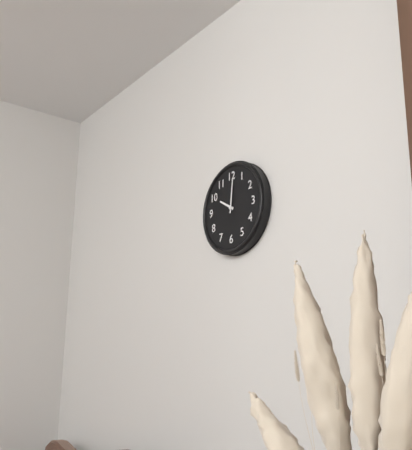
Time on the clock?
10:01
